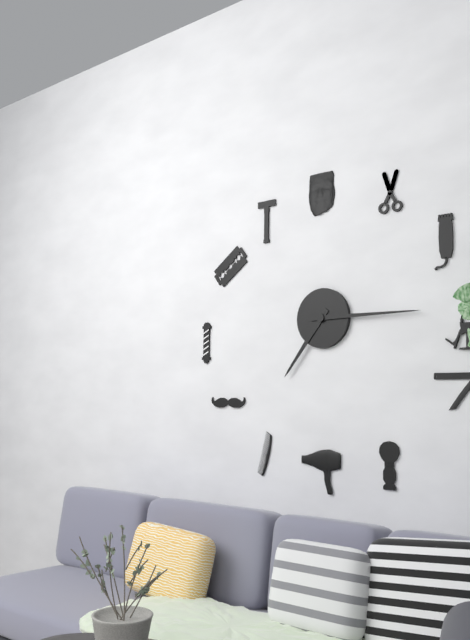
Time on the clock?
7:15
